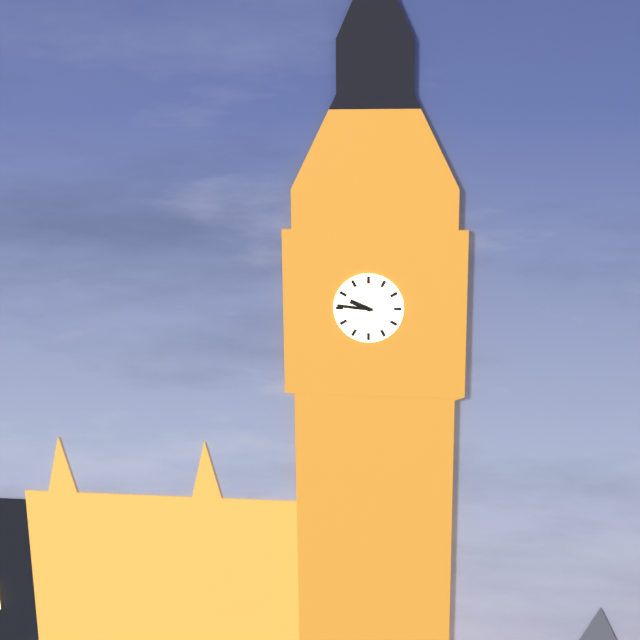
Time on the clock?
9:46
